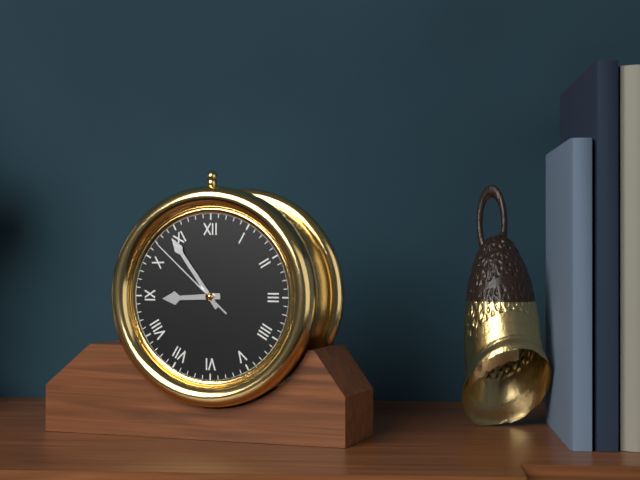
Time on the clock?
8:54:52
